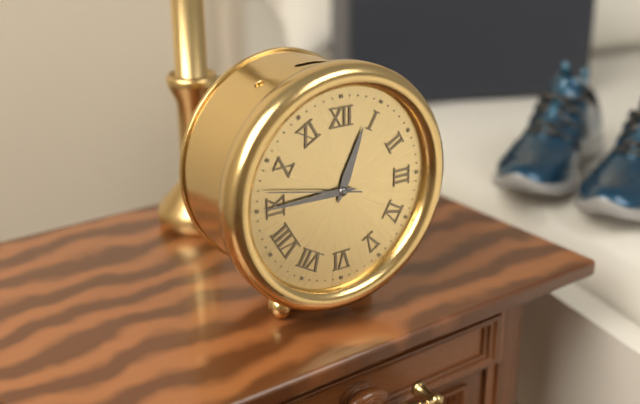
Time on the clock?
12:45:47
